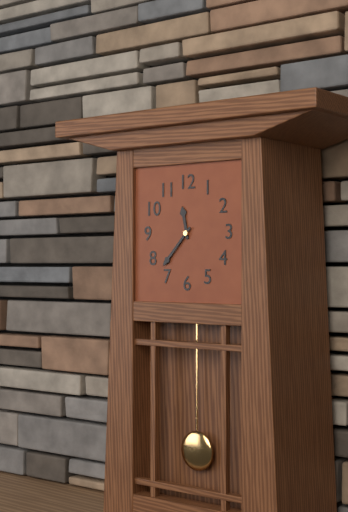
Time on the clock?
11:37
